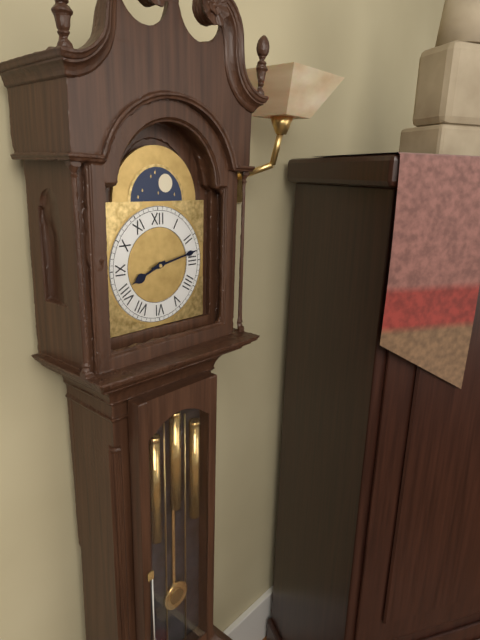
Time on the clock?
8:13
